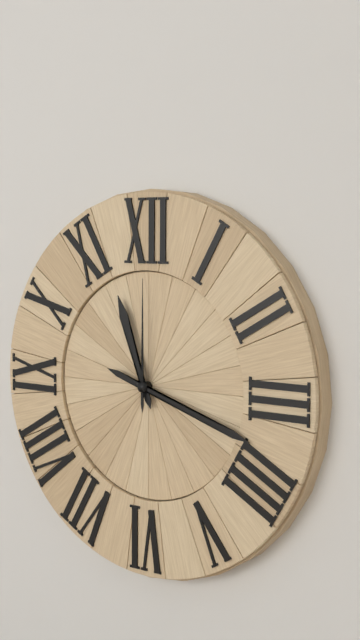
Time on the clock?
11:18:00
